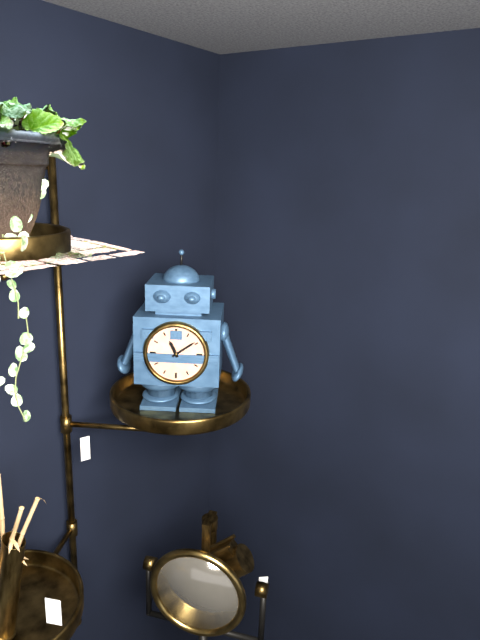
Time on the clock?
11:09
